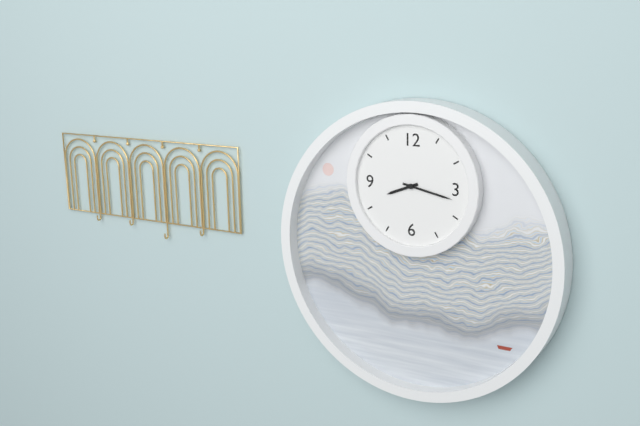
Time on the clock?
8:17
